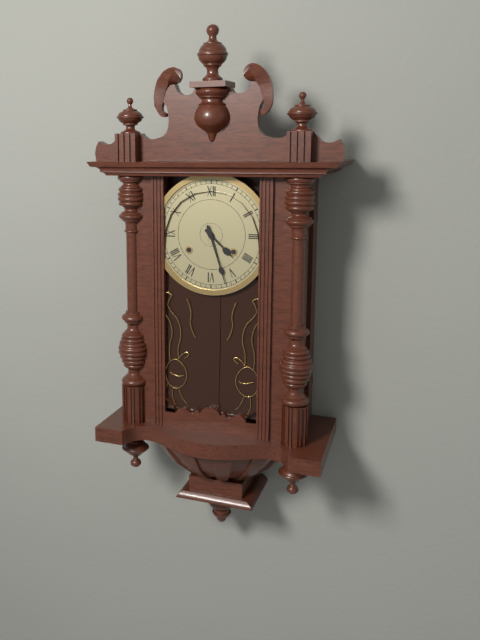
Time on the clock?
4:27
